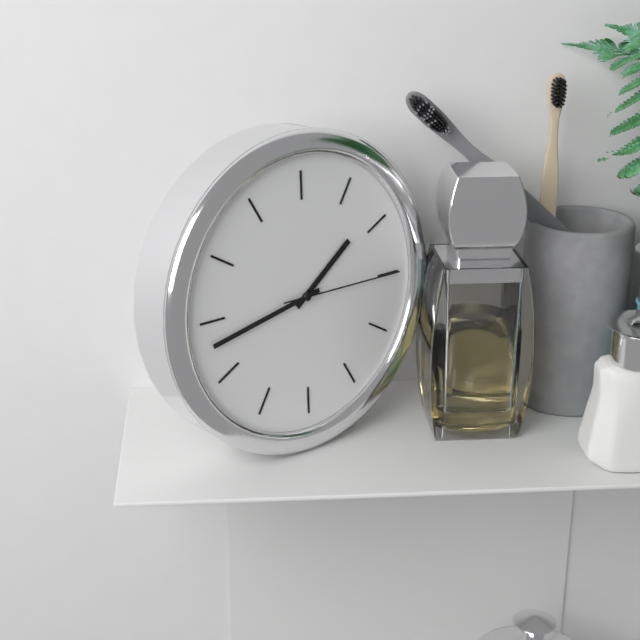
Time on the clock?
1:43:15
